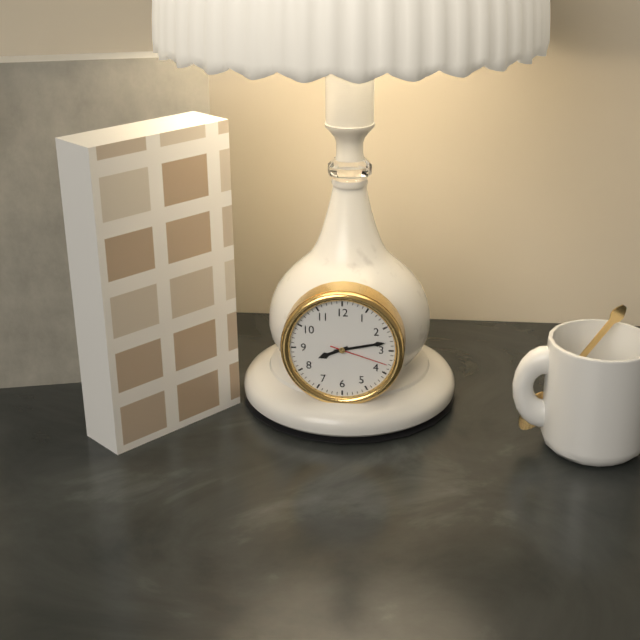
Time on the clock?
8:13:18
